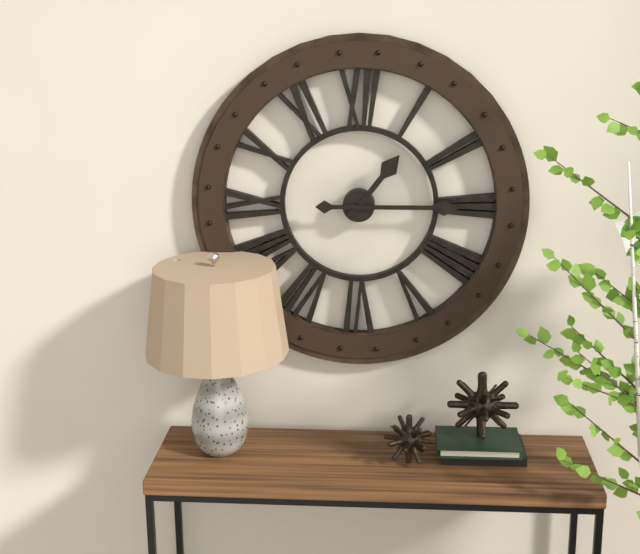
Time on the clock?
1:15
